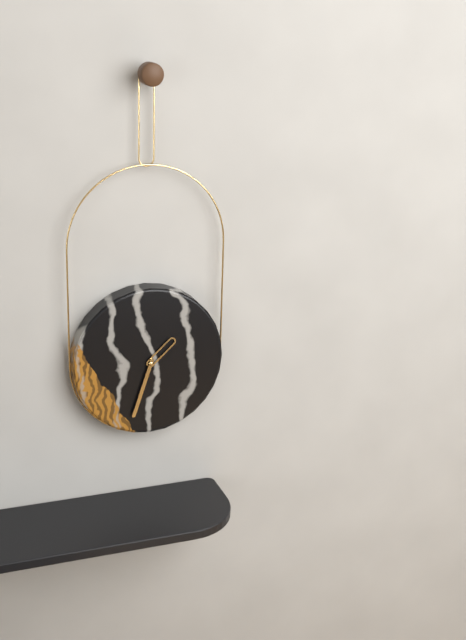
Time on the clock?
1:33
